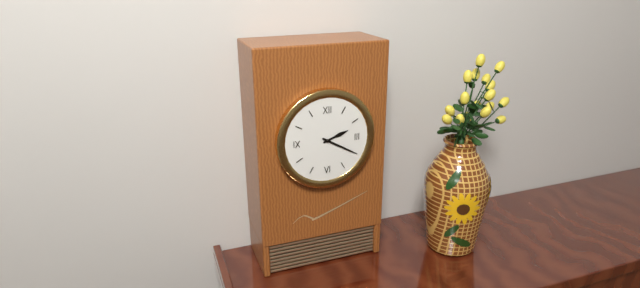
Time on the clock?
2:20
